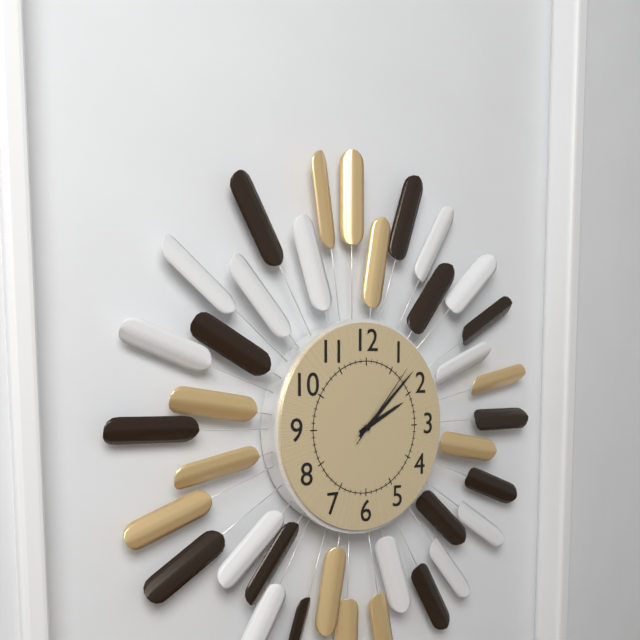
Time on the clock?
2:08:07
